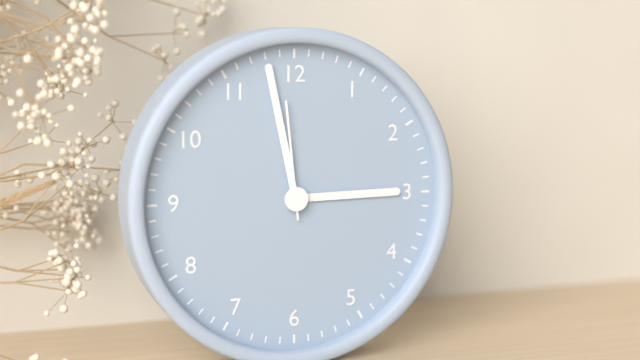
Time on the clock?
2:58:59
